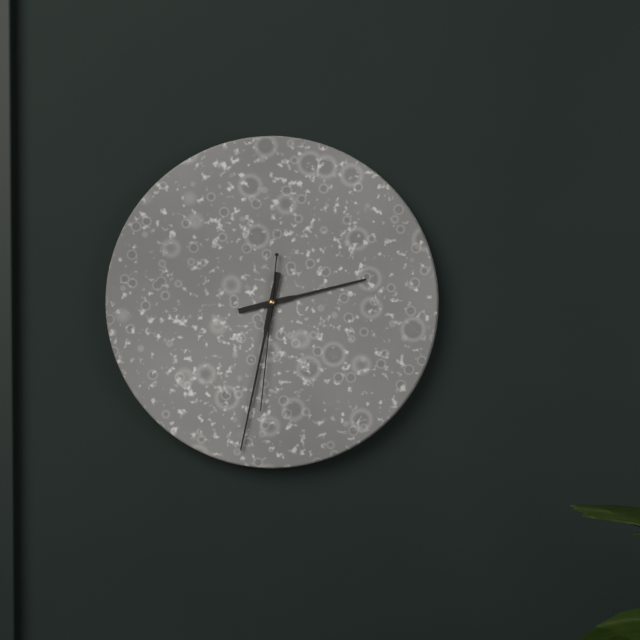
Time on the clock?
2:32:31
